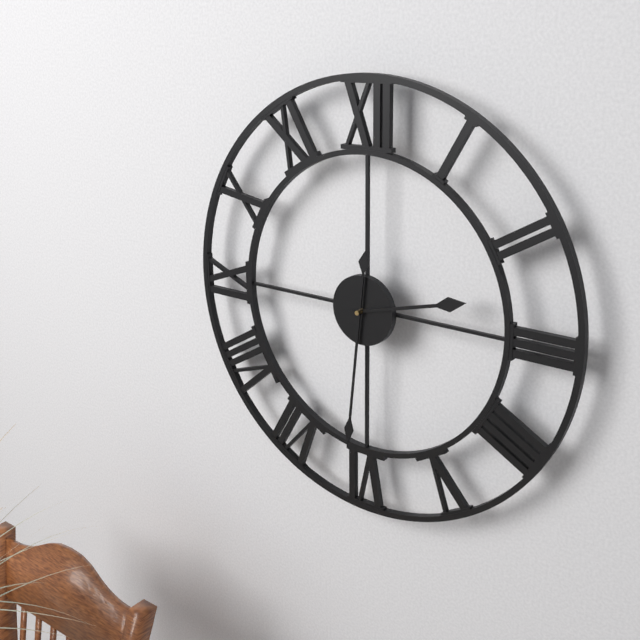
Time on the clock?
2:31
